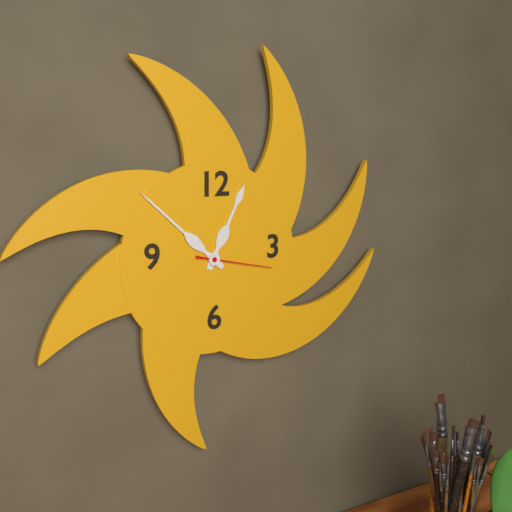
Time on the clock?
12:52:17
